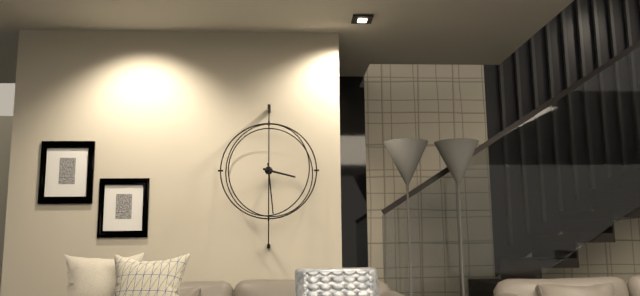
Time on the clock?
3:29
